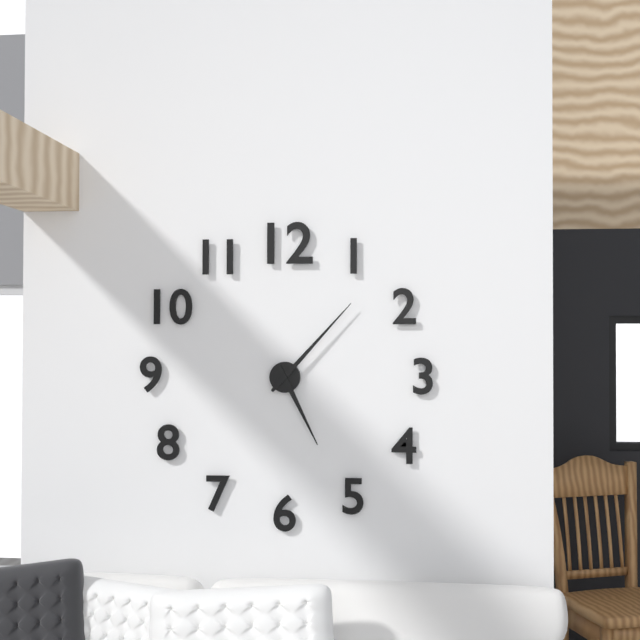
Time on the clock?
5:07
